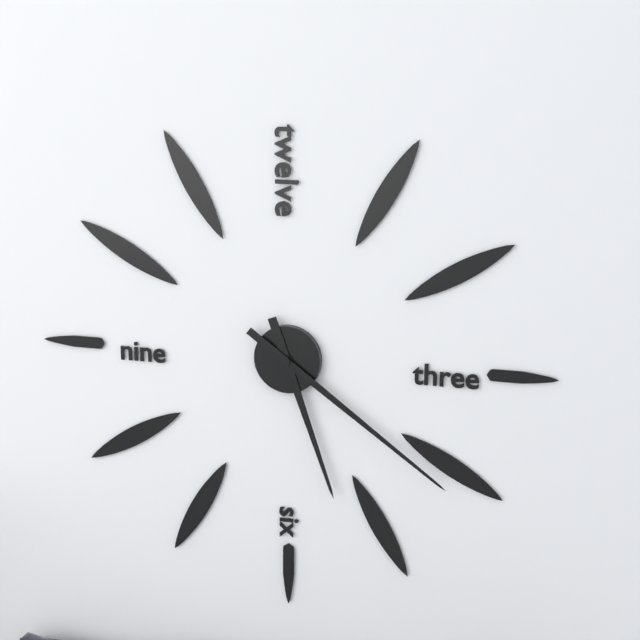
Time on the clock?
5:21
